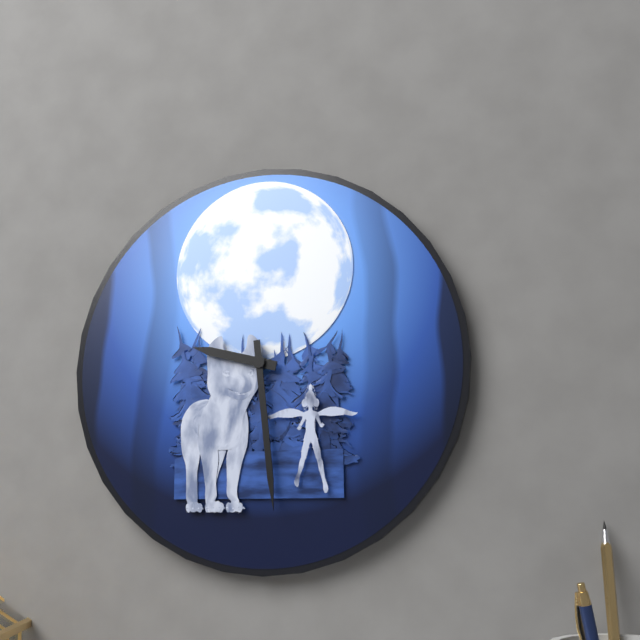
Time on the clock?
9:29
